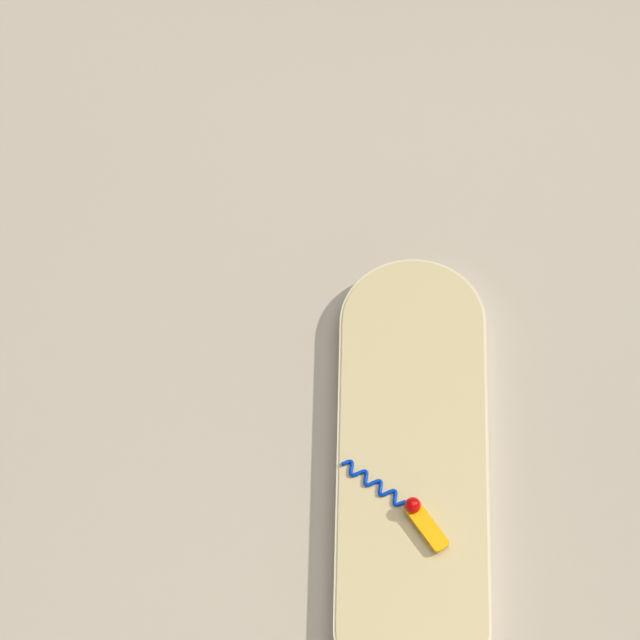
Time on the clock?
4:51
